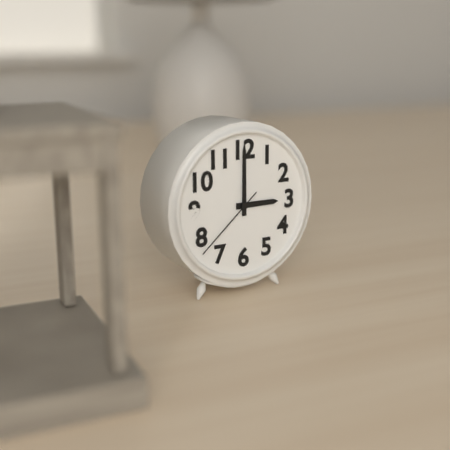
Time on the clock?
3:00:38
